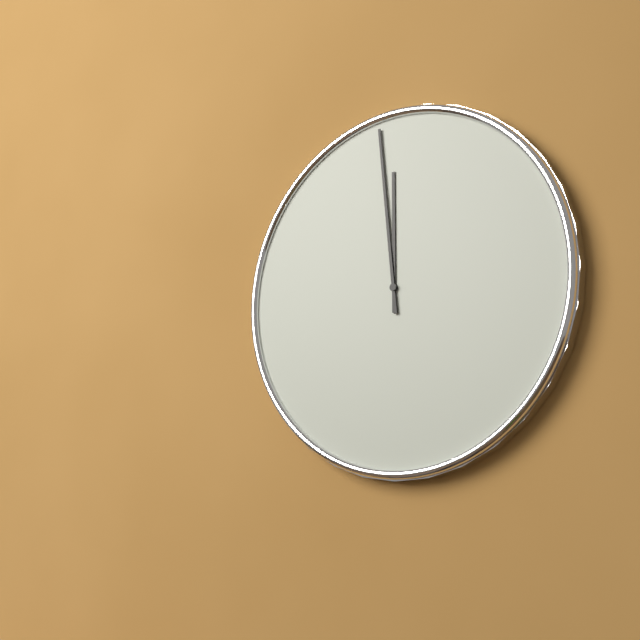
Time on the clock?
11:59
